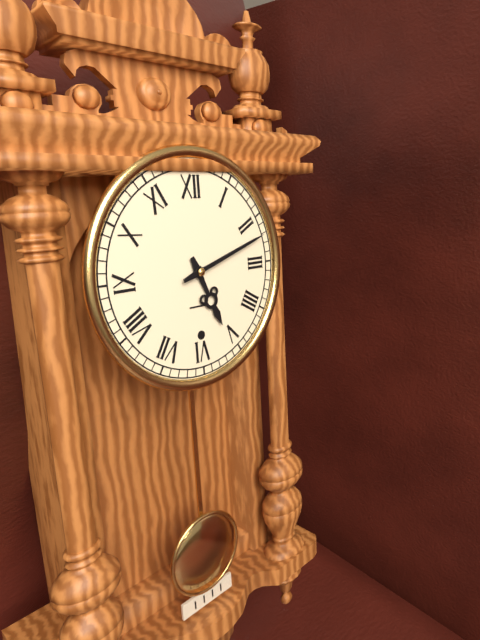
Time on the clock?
5:12
